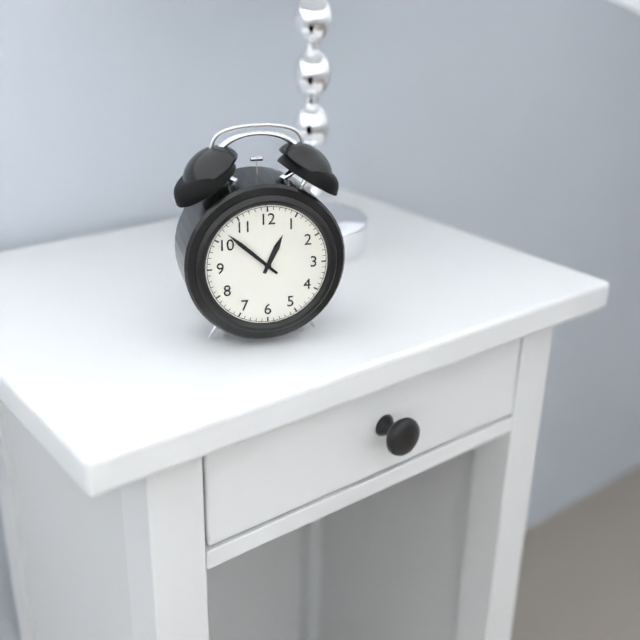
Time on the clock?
12:52
